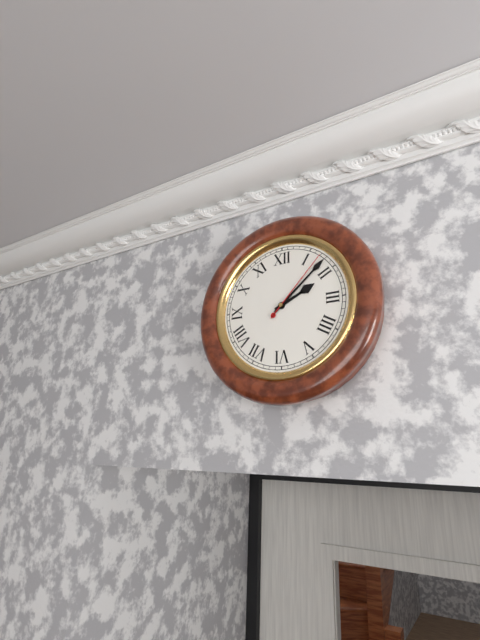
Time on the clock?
2:08:07
